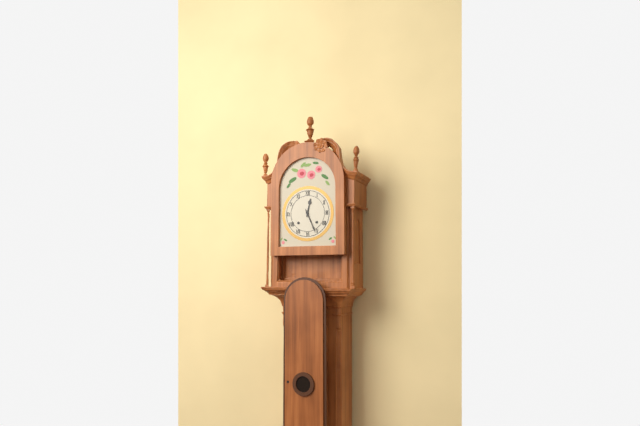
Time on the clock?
12:26
